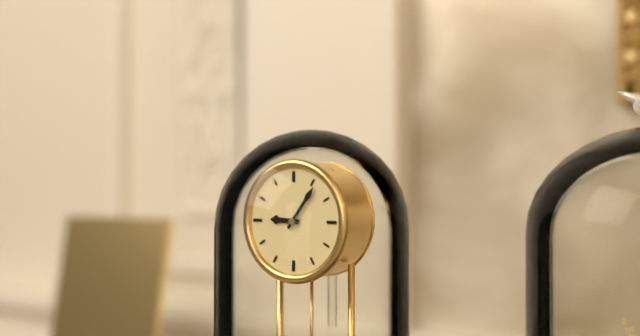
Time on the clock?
9:06
